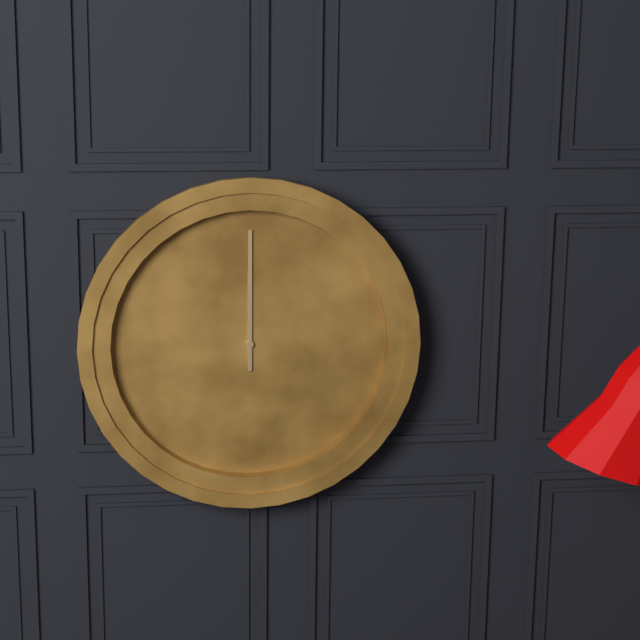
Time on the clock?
12:00
